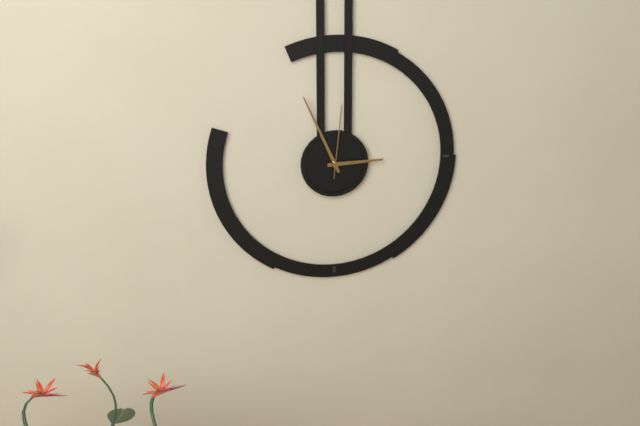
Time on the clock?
2:56:01
